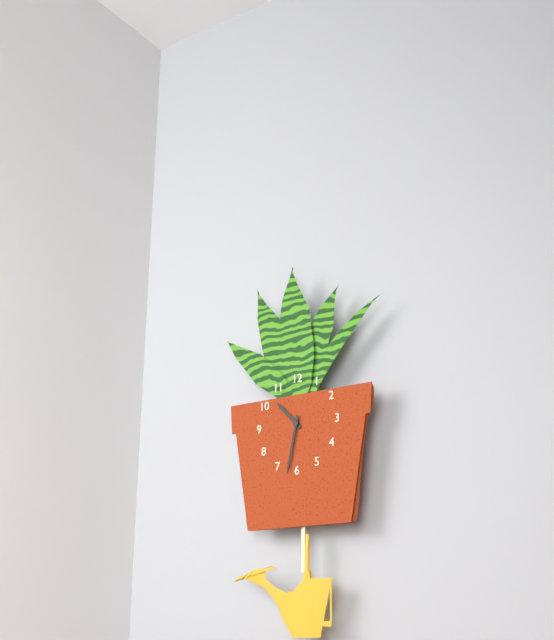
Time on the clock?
10:32
